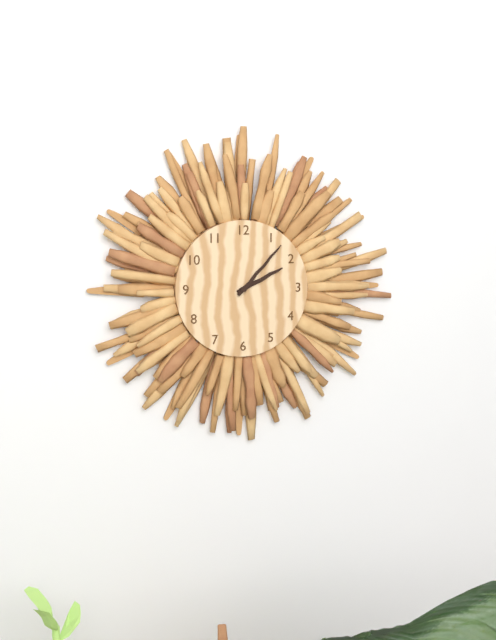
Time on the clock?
2:07
